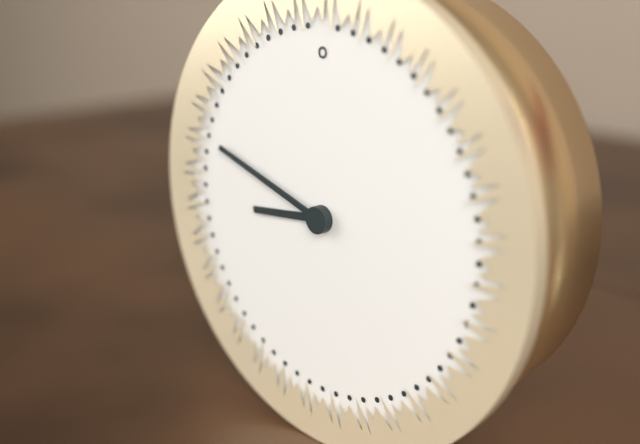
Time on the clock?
8:48
